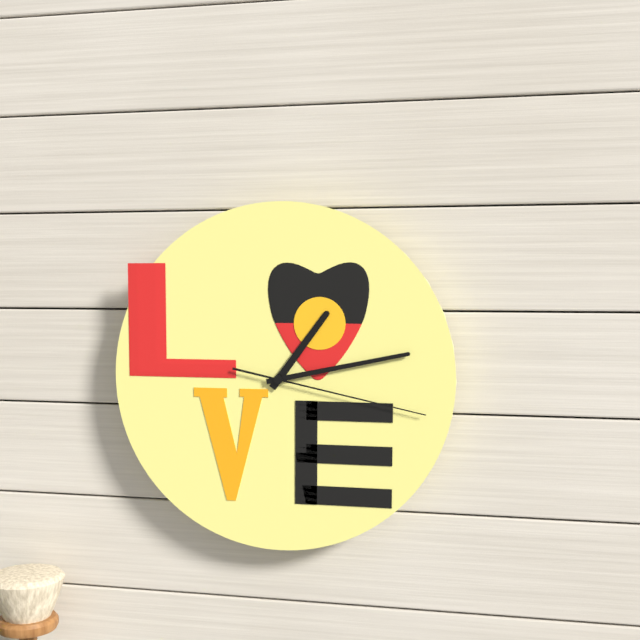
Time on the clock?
1:13:17
